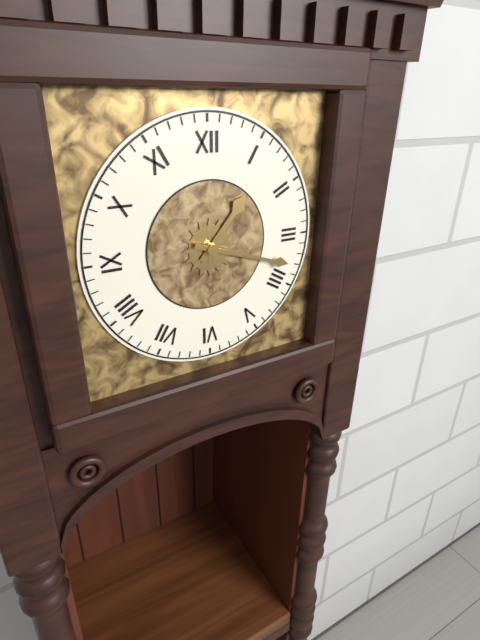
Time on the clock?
1:18
